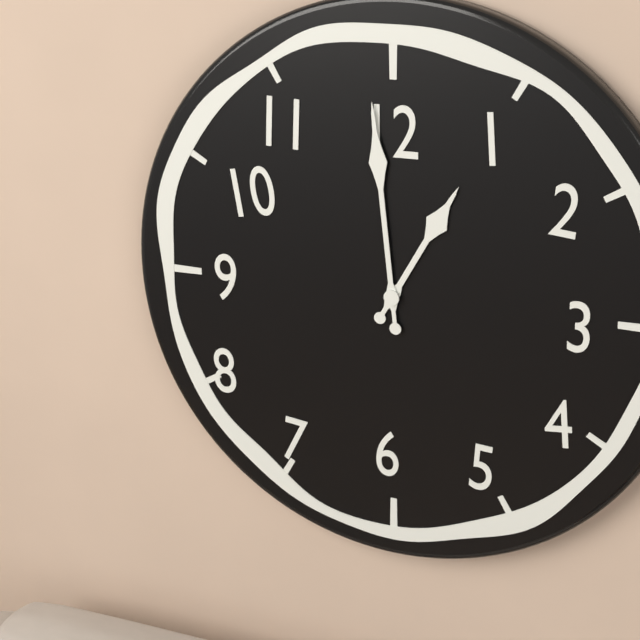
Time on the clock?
12:59
